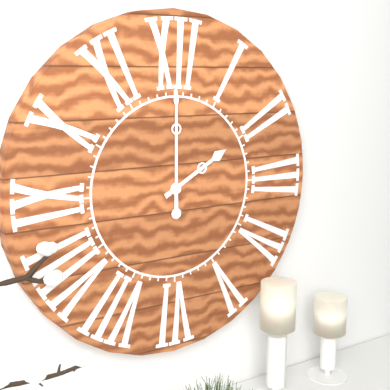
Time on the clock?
2:00
